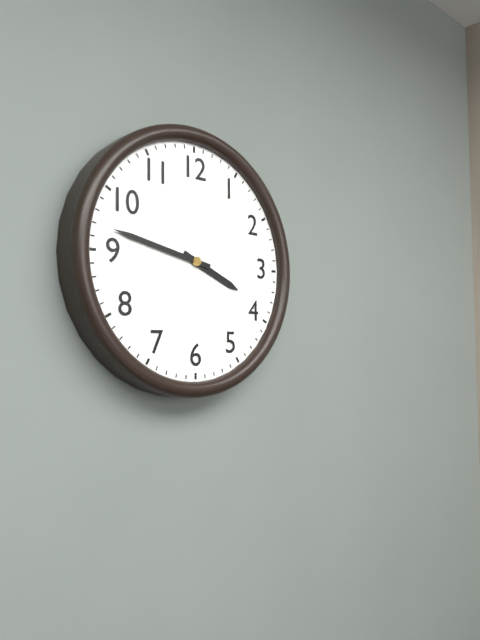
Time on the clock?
3:47
